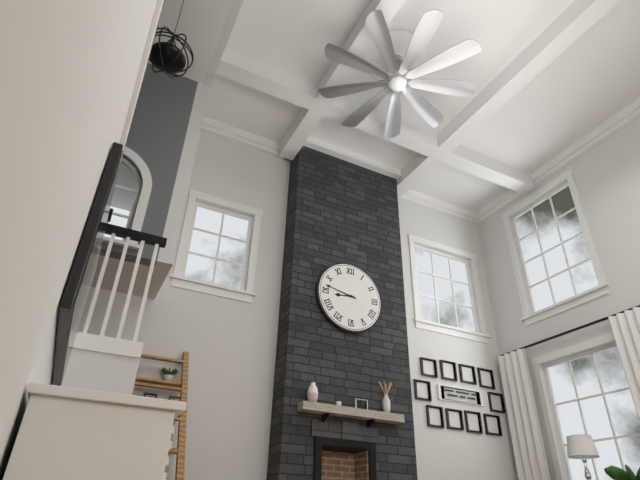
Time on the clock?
8:47
